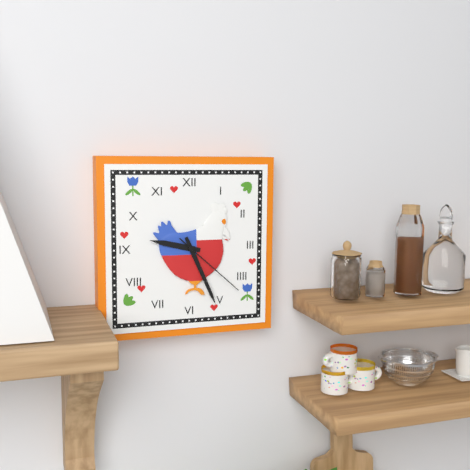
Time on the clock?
9:26:22
